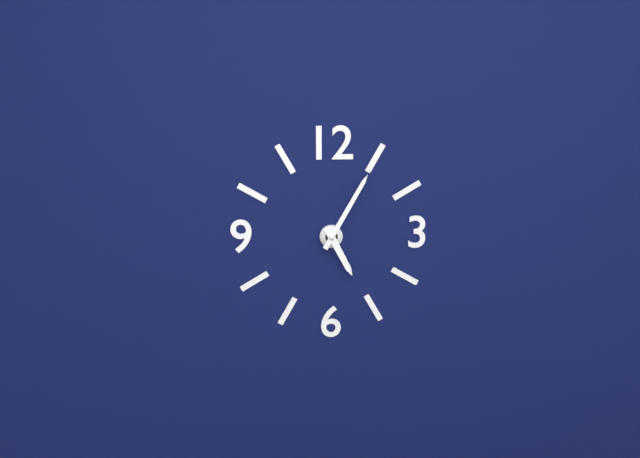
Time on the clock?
5:05
